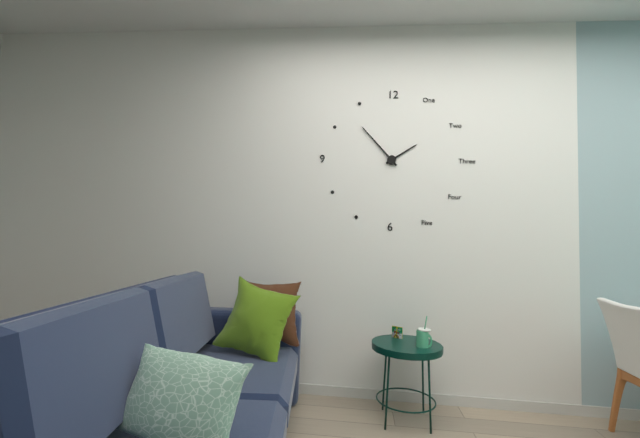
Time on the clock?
1:53
